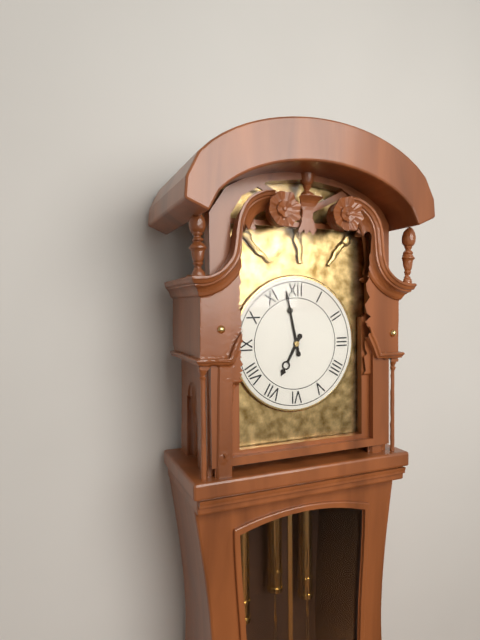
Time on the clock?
6:58
